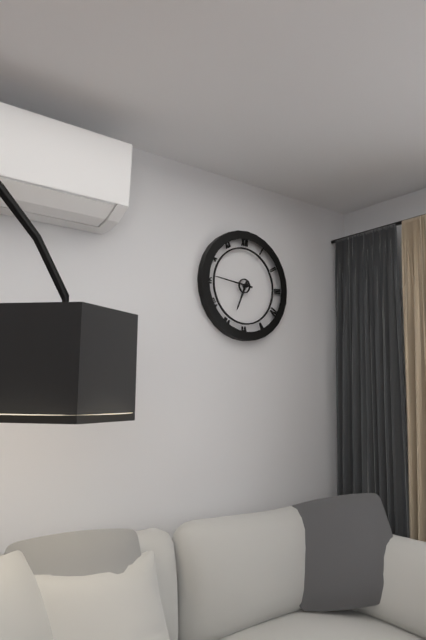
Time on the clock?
6:46
